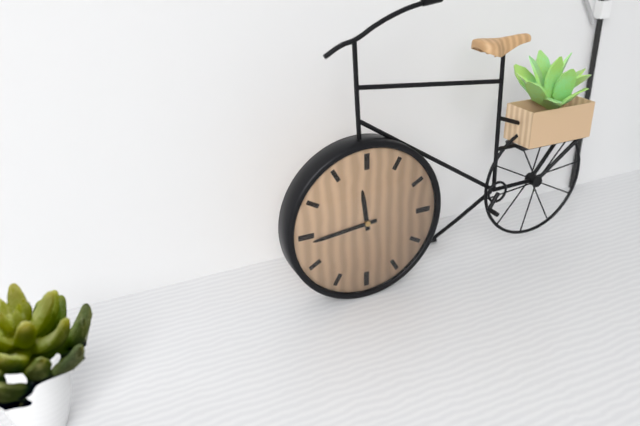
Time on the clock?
11:44
